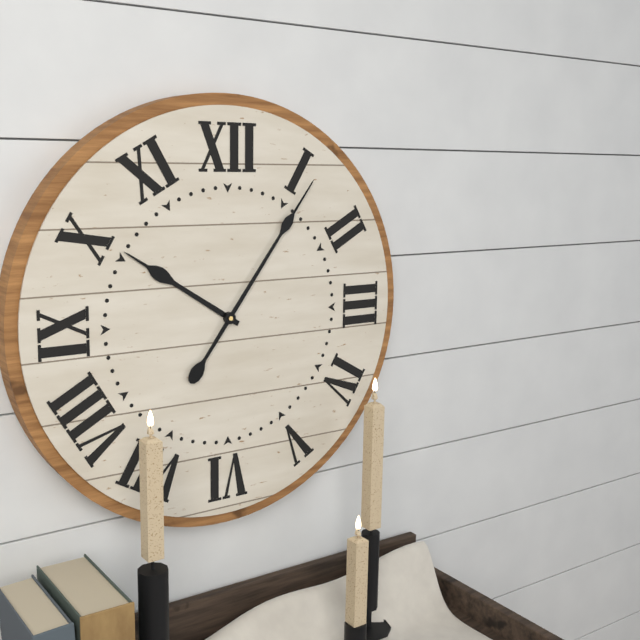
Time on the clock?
10:06
